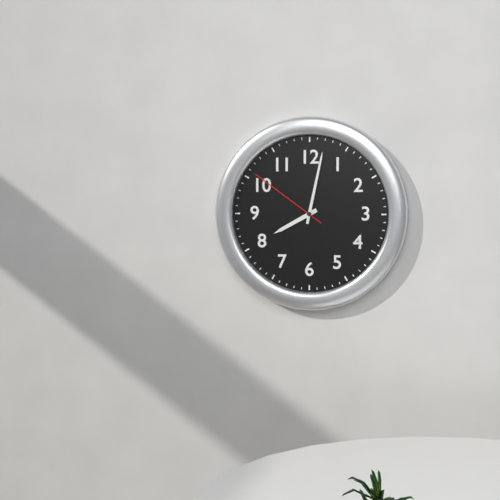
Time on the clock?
8:02:51
